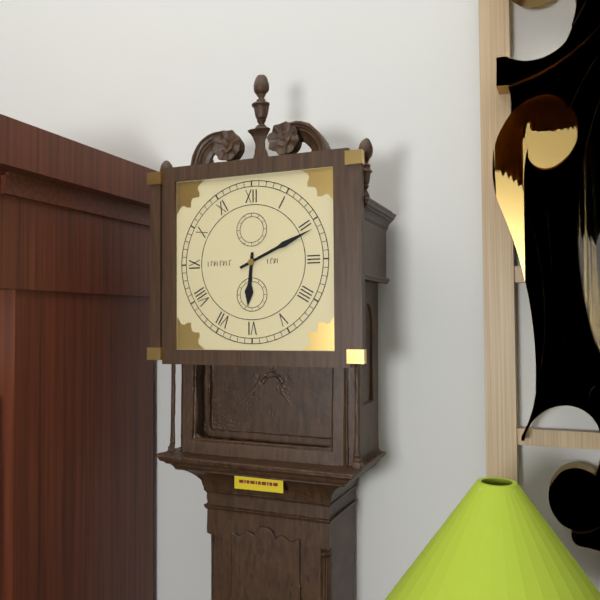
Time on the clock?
6:11
